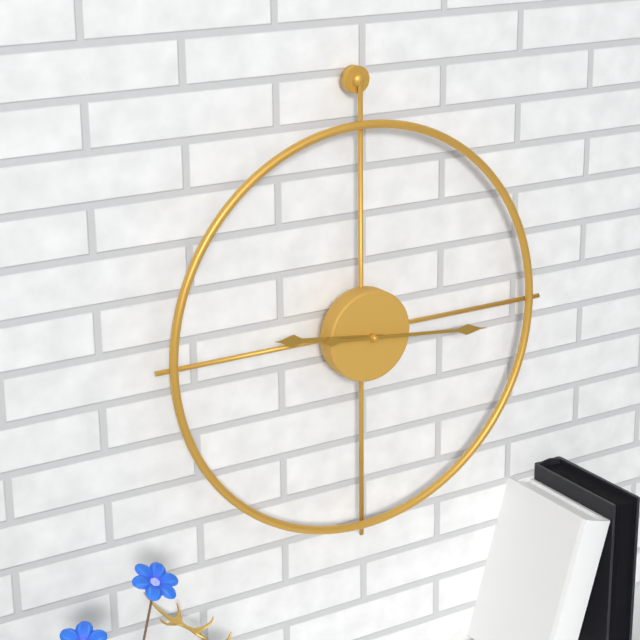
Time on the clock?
9:16
